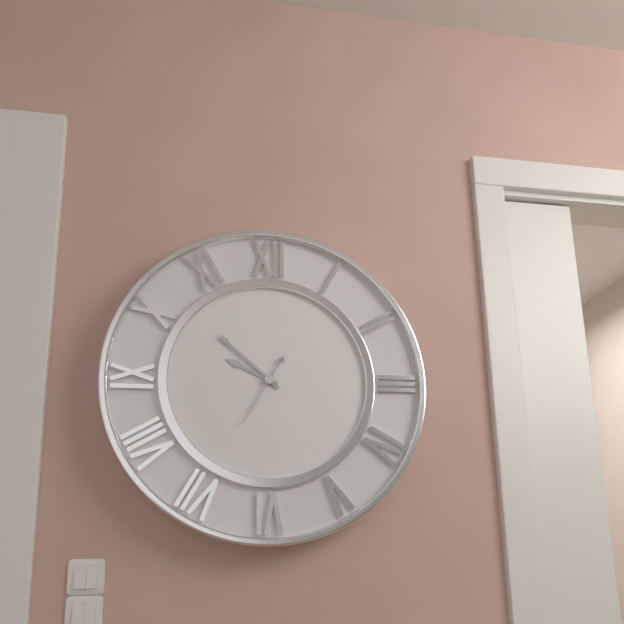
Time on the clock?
9:52:35
